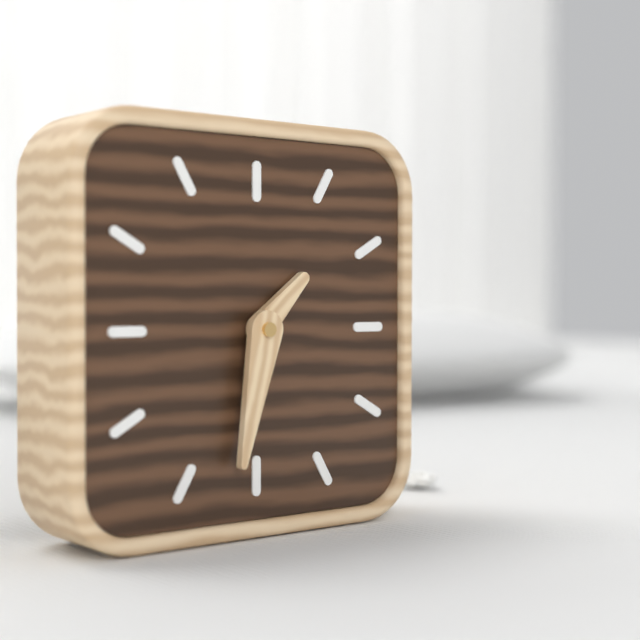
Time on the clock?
1:32
